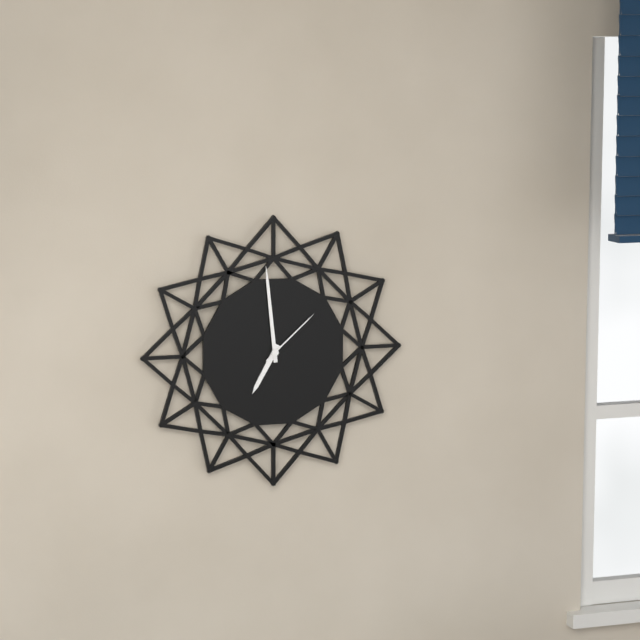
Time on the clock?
6:59:08
